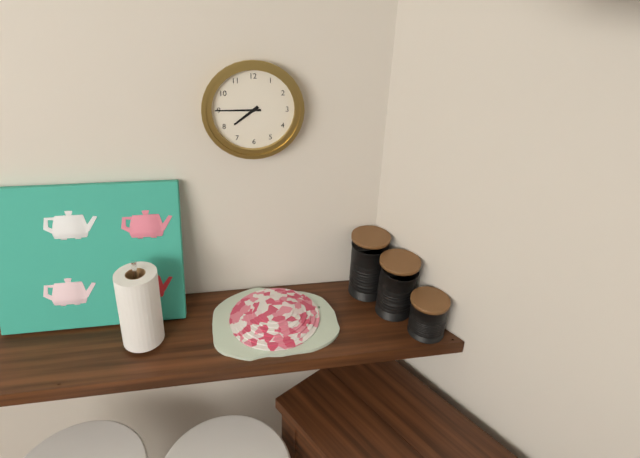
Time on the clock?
7:45
